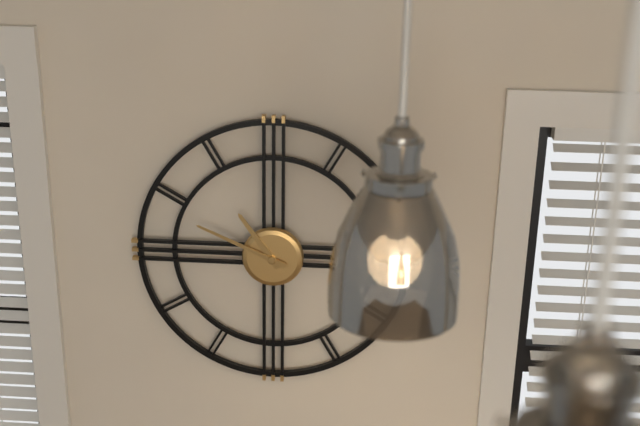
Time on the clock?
10:49
